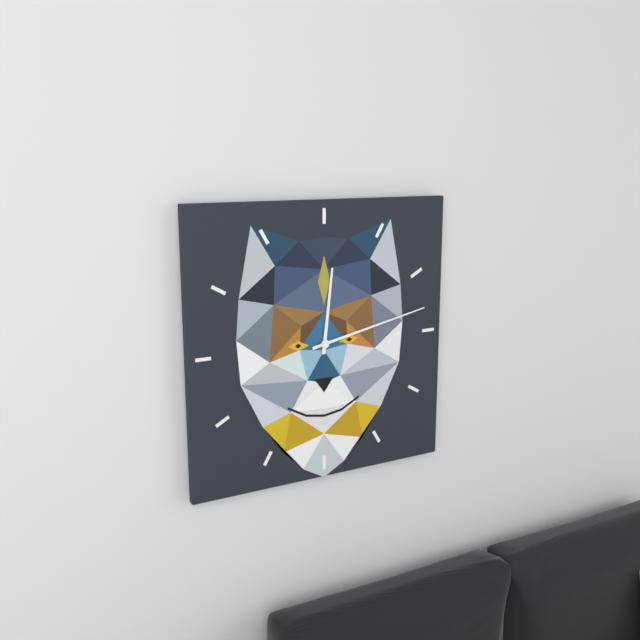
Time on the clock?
12:13
